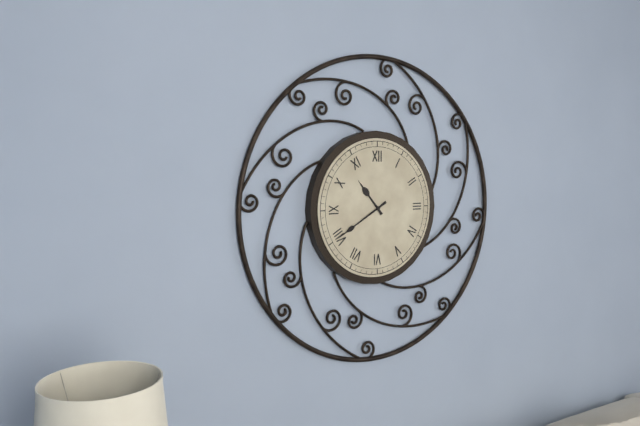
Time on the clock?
10:40
